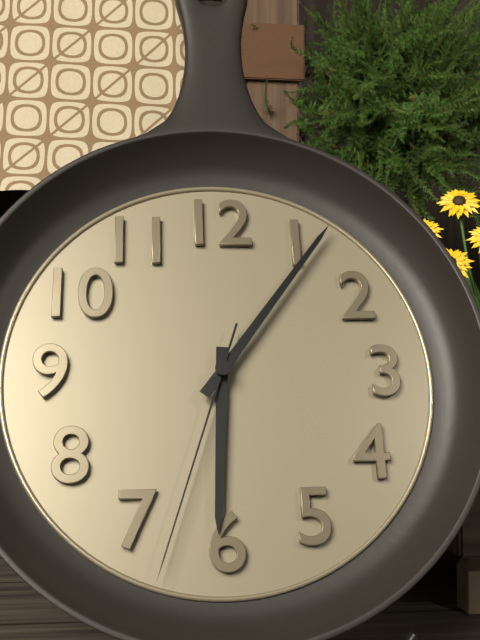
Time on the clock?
6:06:33
